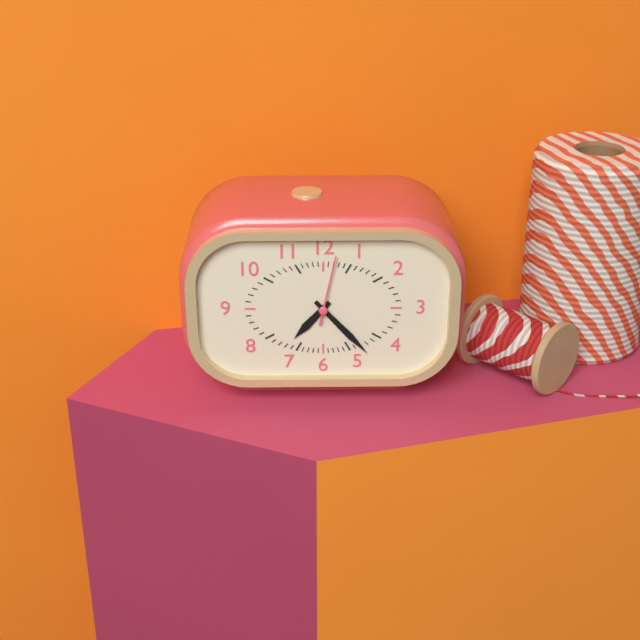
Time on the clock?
7:23:02
